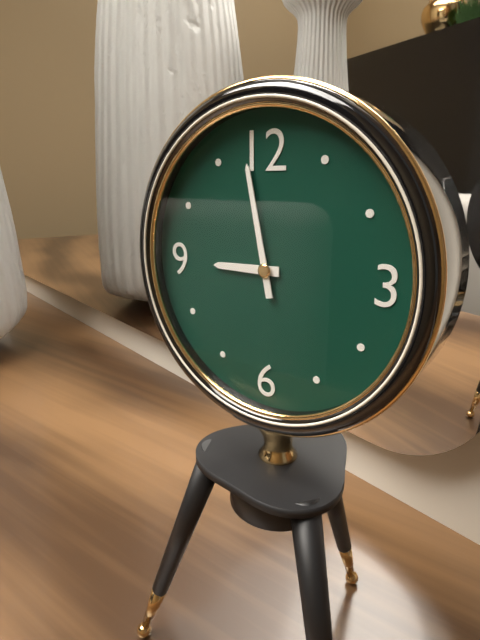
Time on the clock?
8:58
